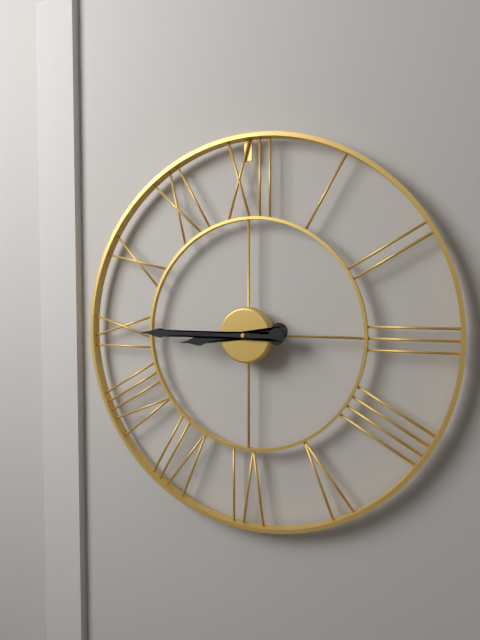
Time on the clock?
8:45
